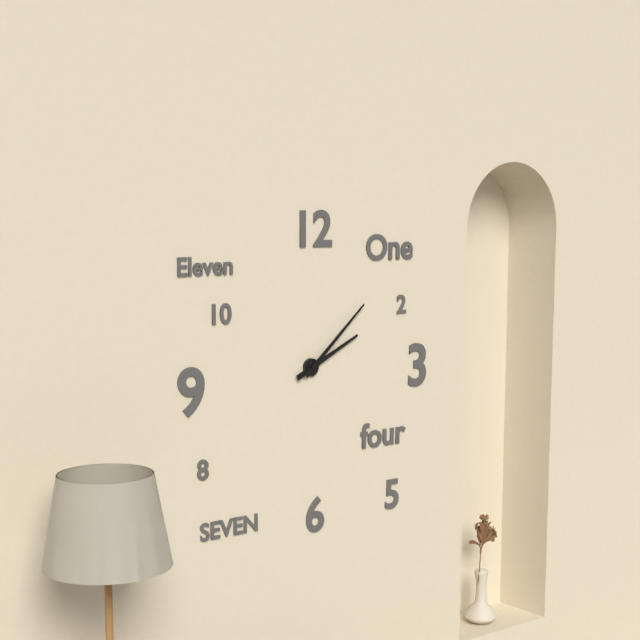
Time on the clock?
2:08
